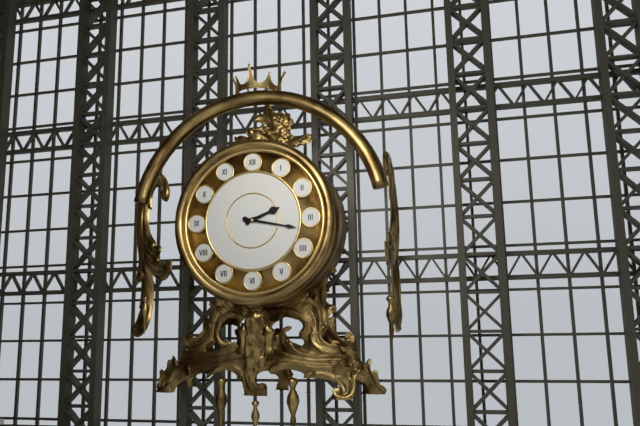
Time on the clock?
2:17
